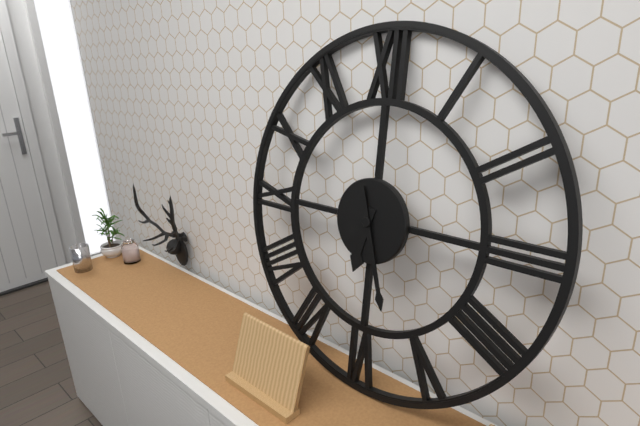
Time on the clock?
6:27
